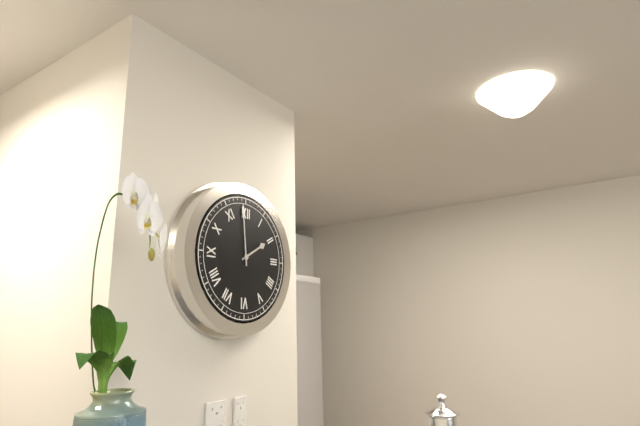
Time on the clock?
1:59
